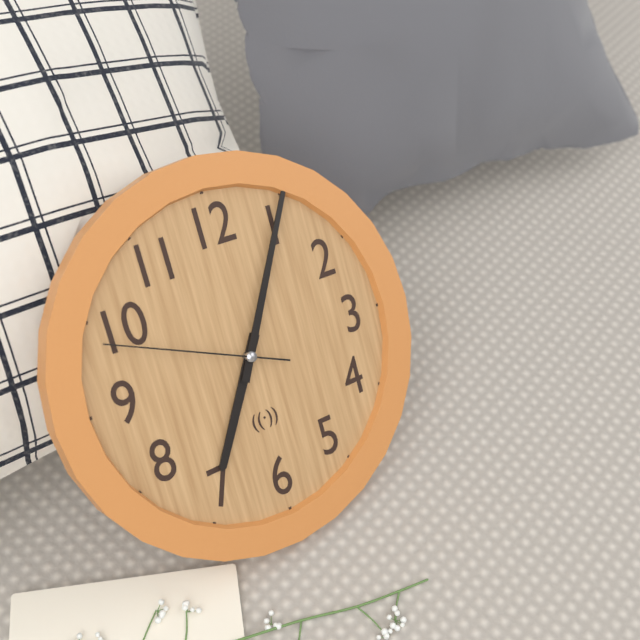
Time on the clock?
7:05:49
